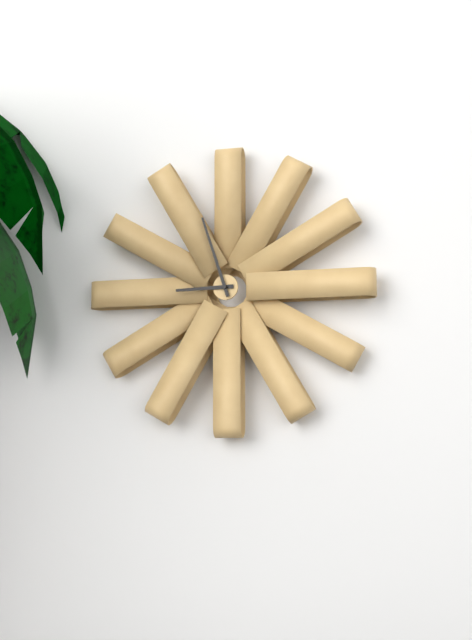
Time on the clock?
8:57
